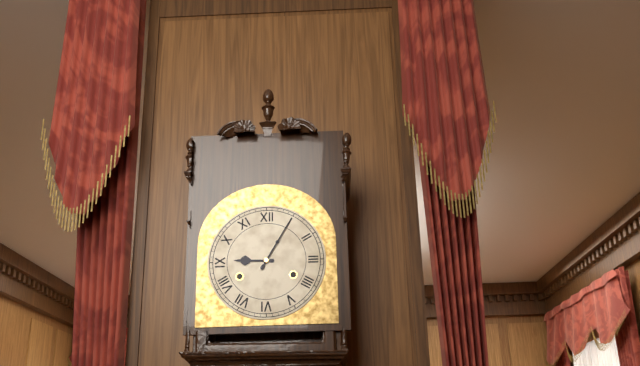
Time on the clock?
9:05
